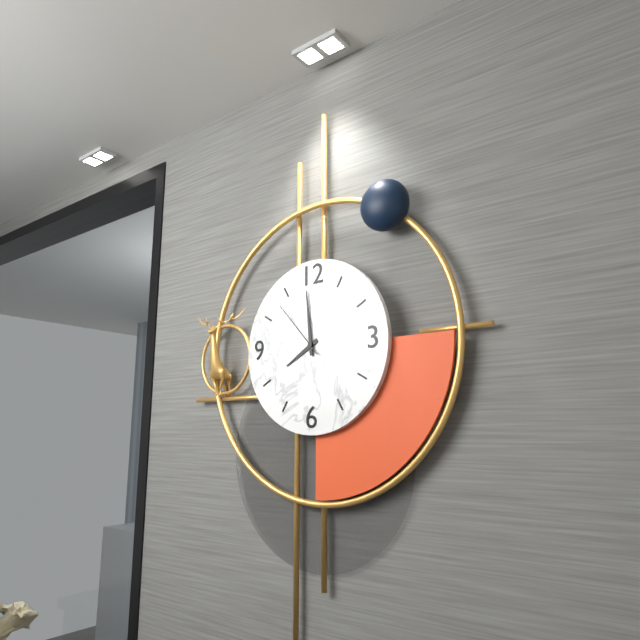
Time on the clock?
7:59:53
